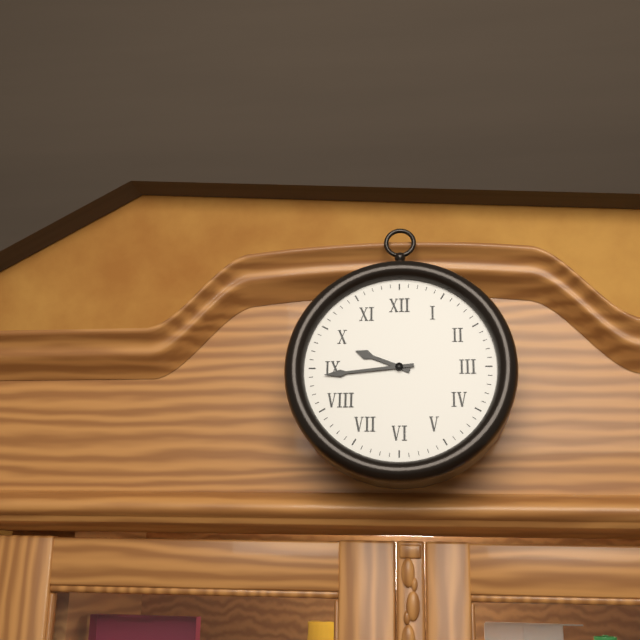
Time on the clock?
9:44
